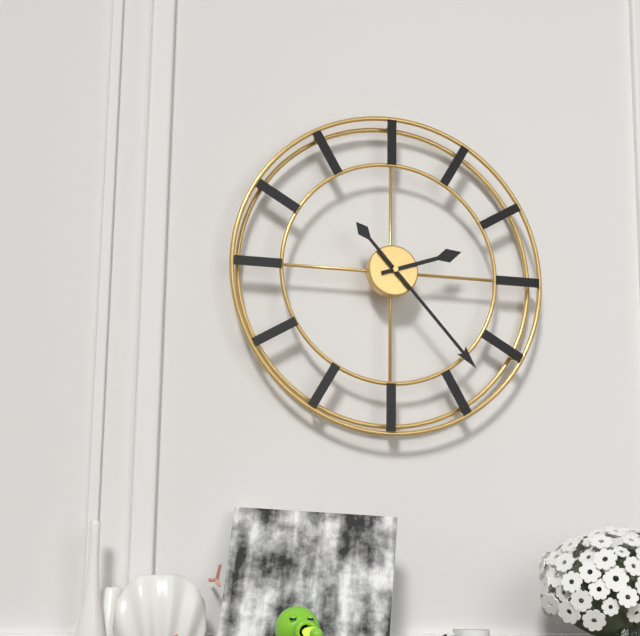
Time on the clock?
2:23
